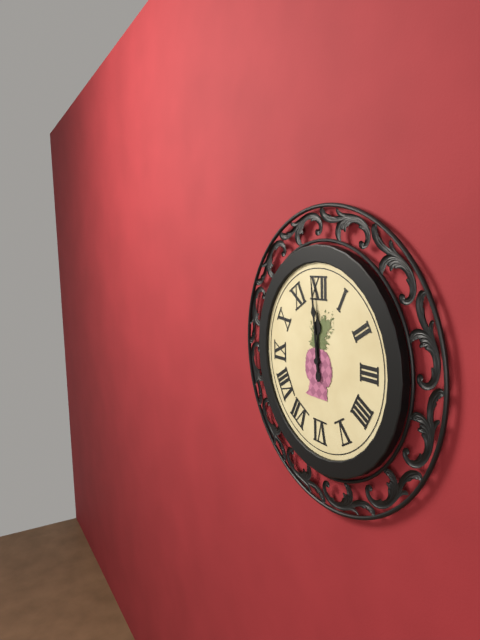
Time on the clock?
11:59
